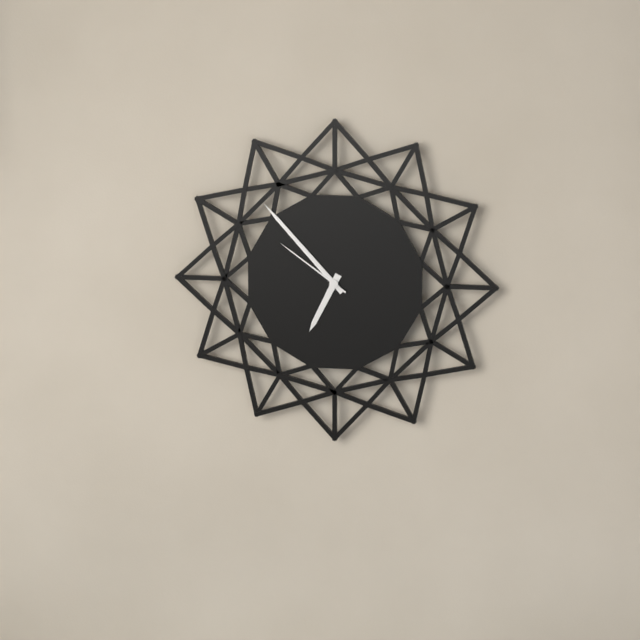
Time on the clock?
6:53:51
